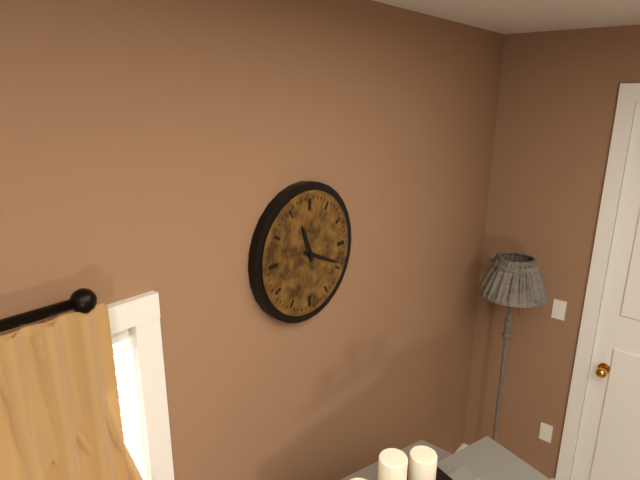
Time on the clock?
11:19
